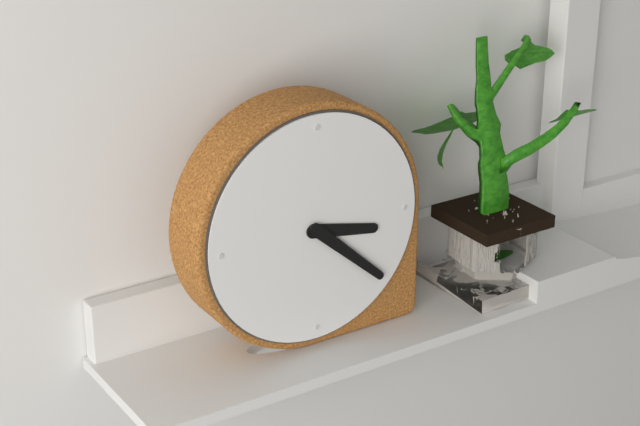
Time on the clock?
3:22
